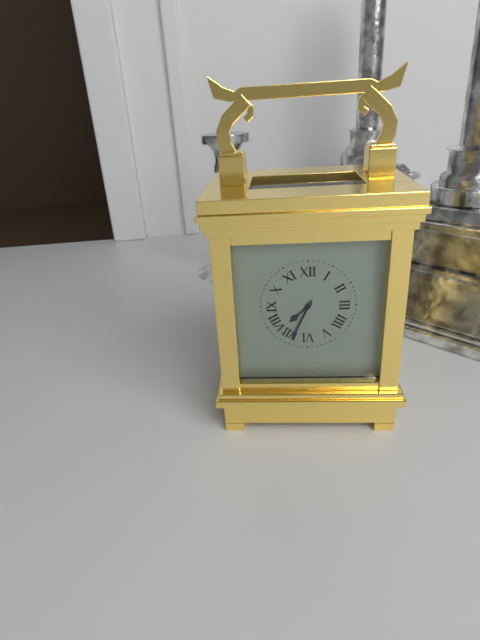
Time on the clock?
7:34
